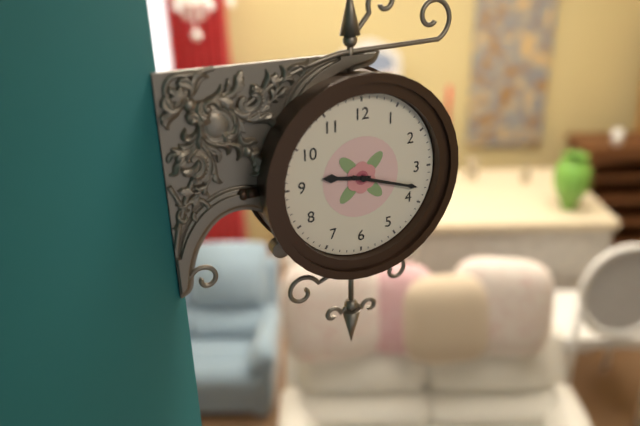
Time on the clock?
9:18
